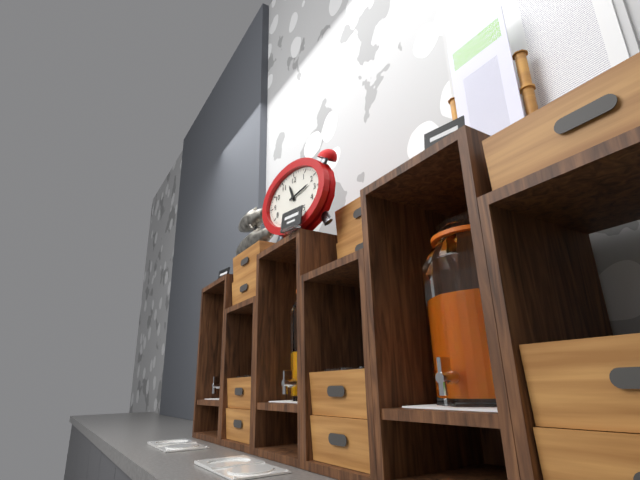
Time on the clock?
11:13
